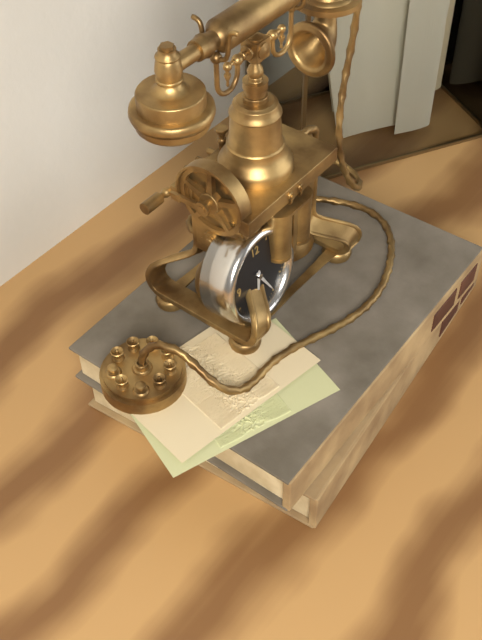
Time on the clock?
6:25
